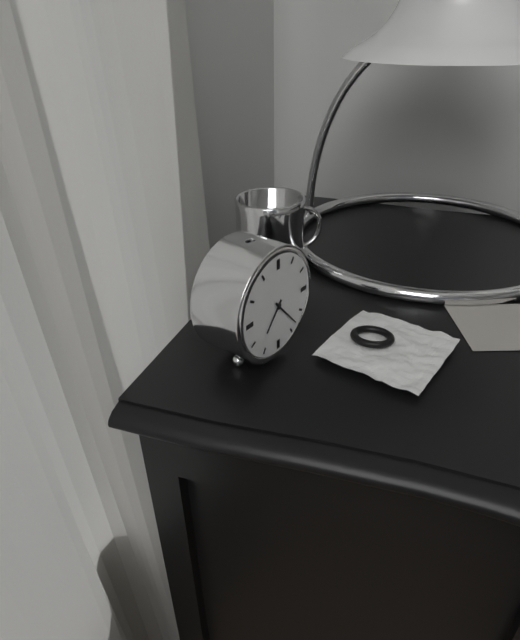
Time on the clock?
7:23
